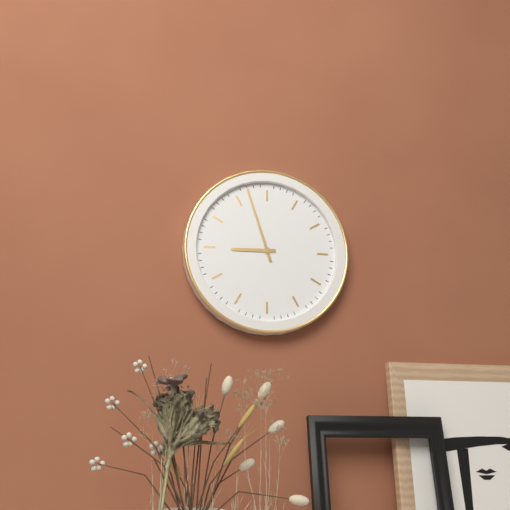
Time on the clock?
8:57
